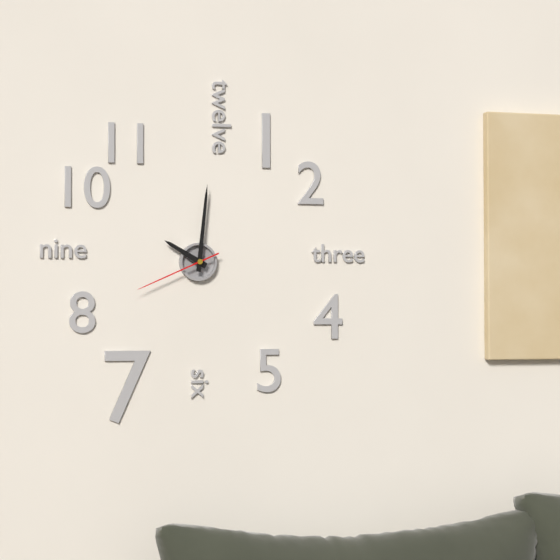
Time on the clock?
10:01:41
